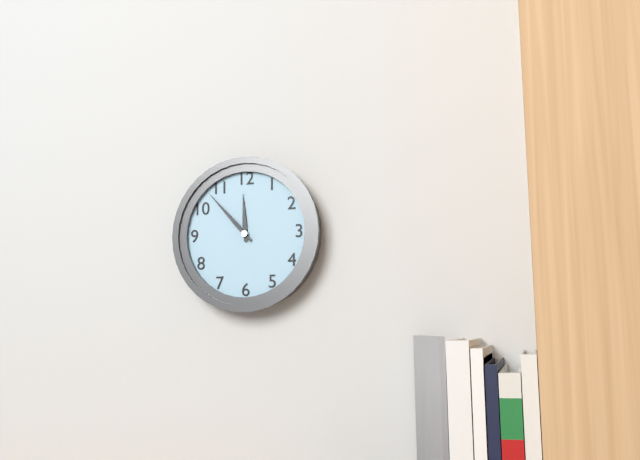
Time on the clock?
11:53
